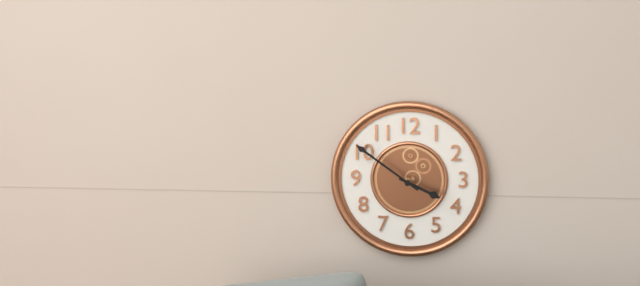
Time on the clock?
3:51
